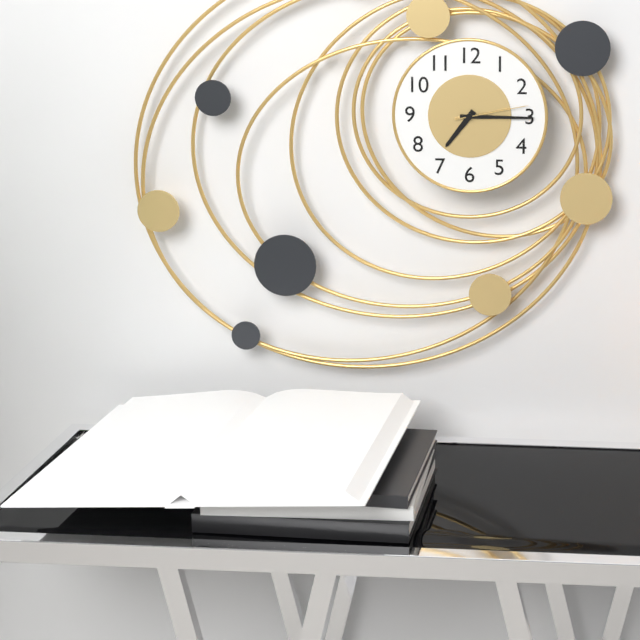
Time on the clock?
7:15:13
